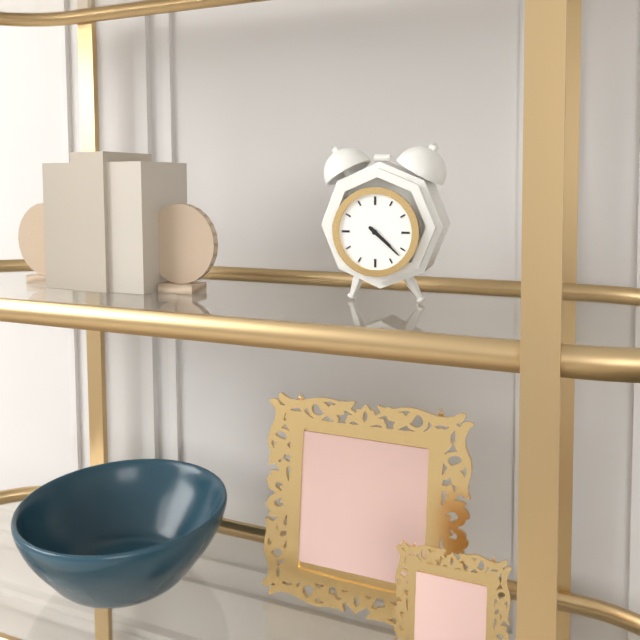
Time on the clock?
4:22
